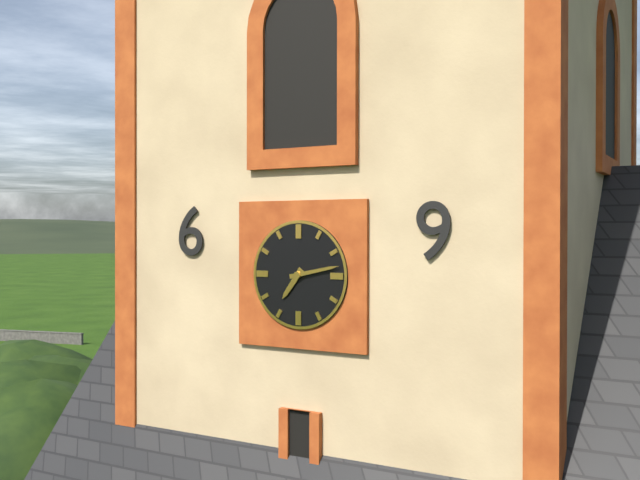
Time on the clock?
7:13
